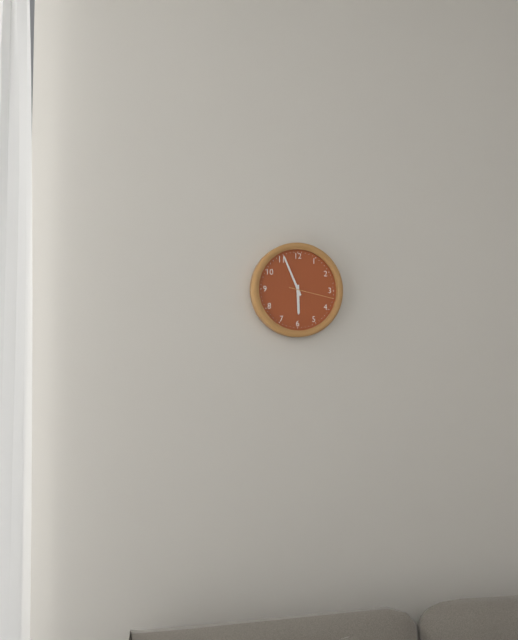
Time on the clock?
5:56
